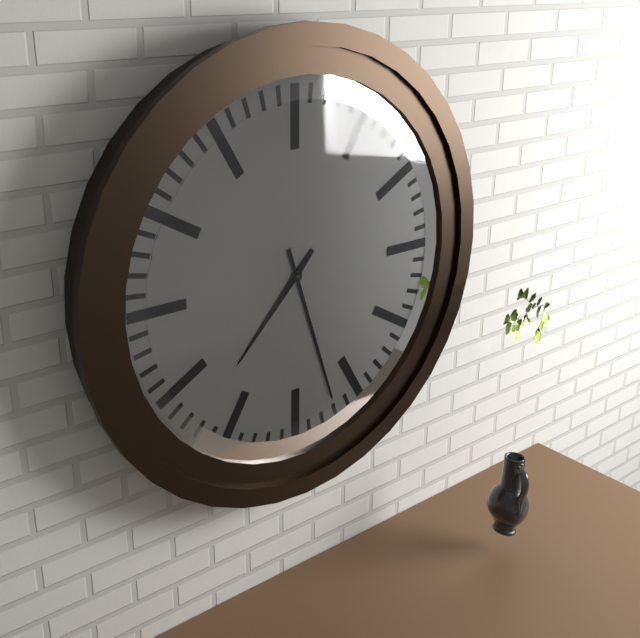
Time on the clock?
7:27
